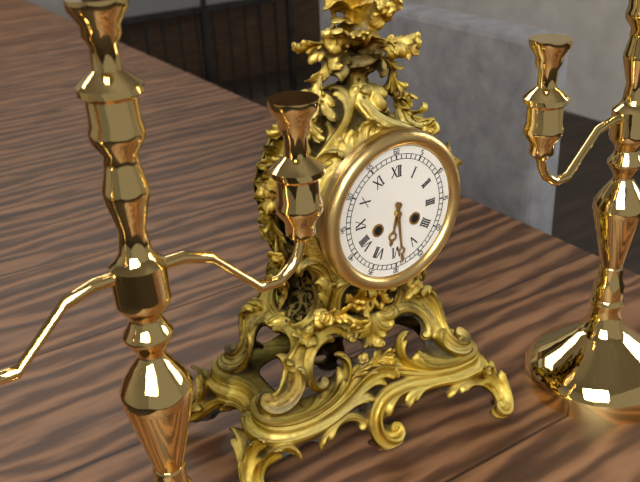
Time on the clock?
6:29
